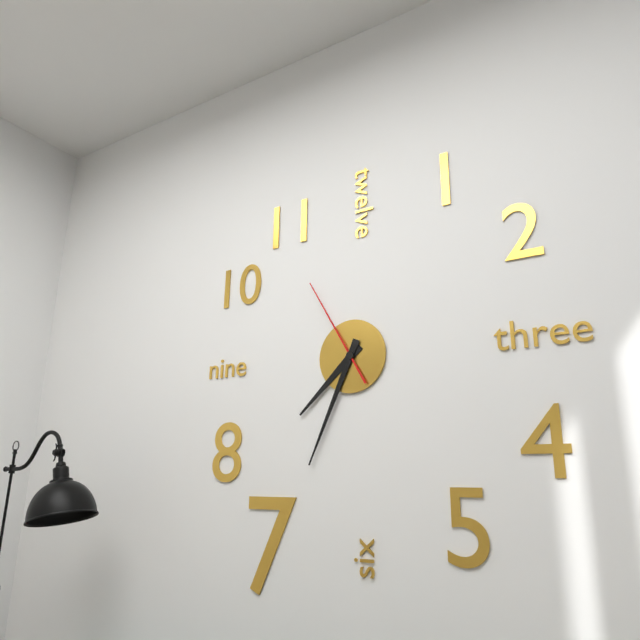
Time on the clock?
7:34:55
